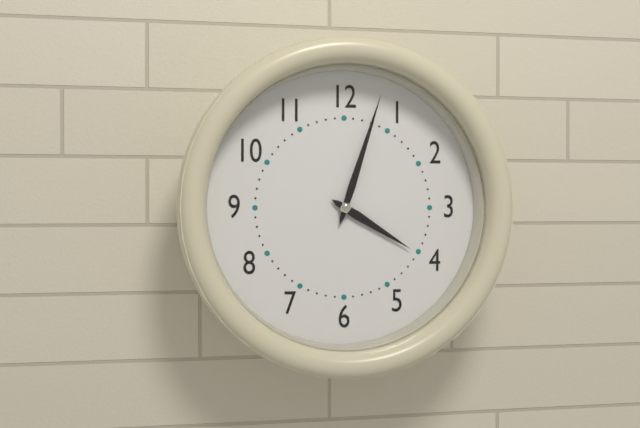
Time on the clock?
4:03
